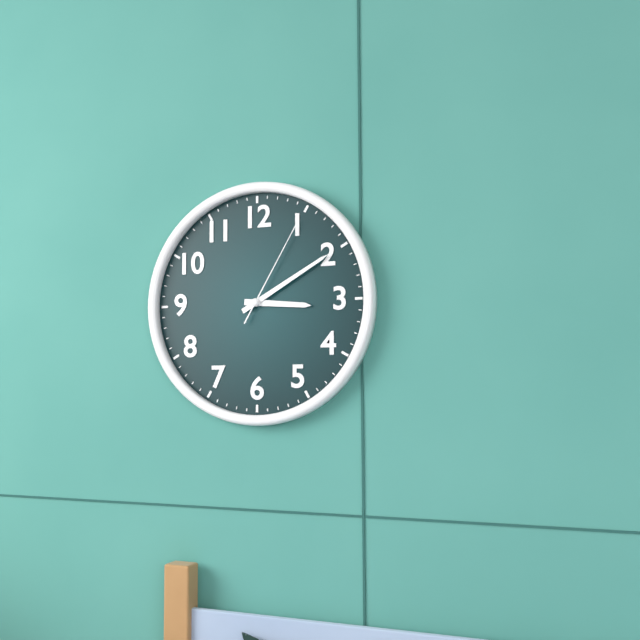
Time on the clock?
3:10:05
